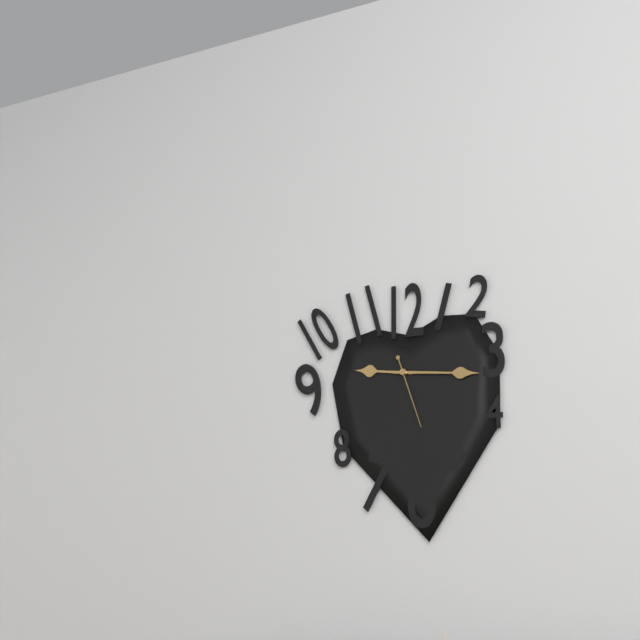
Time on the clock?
9:16:27
